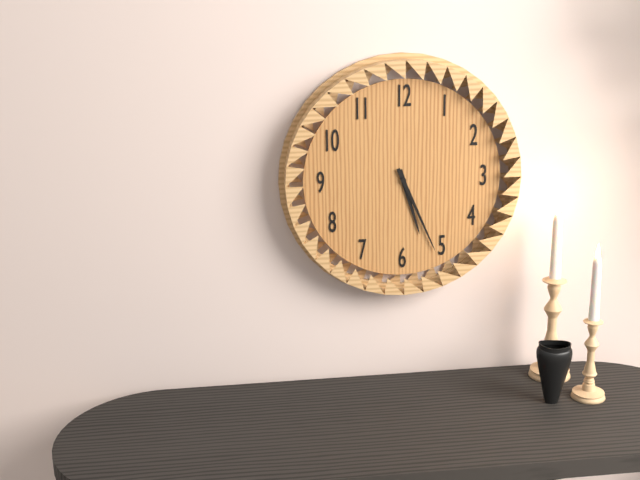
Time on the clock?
5:26
